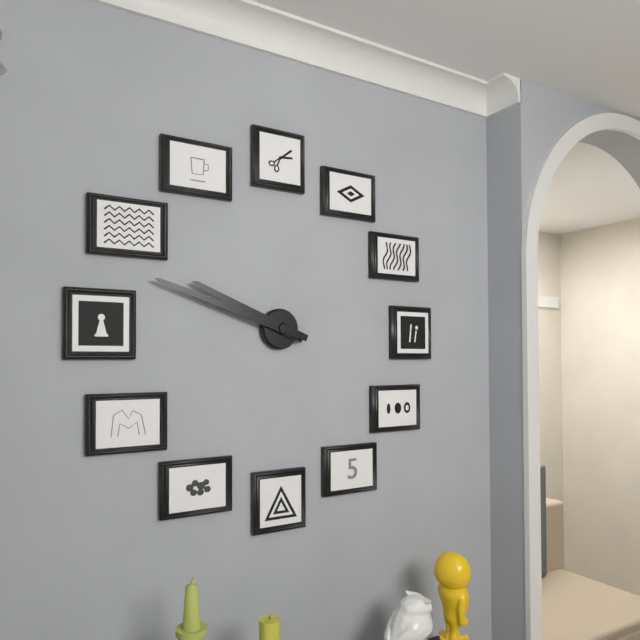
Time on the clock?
9:48
